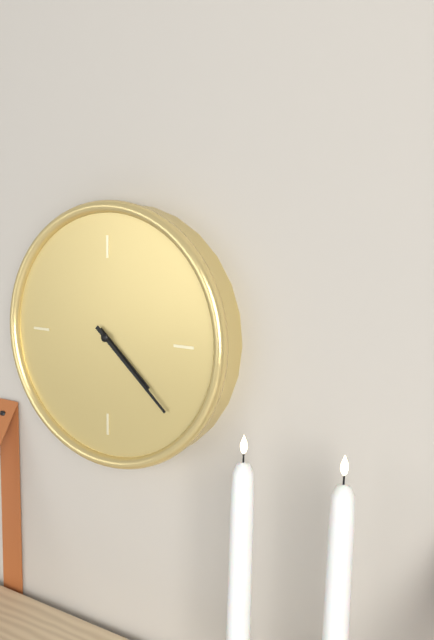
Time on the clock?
4:22
